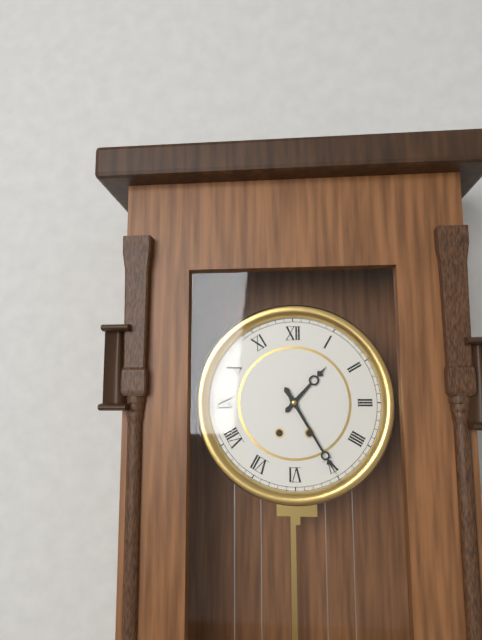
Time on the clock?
1:25
